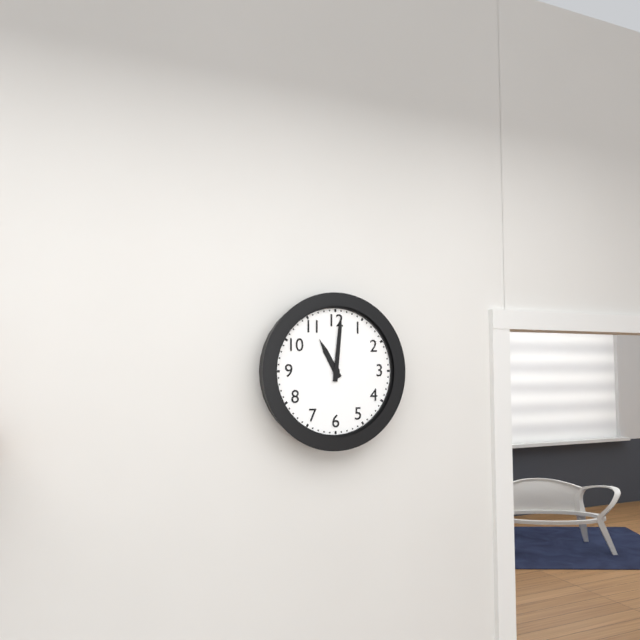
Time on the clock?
11:01
